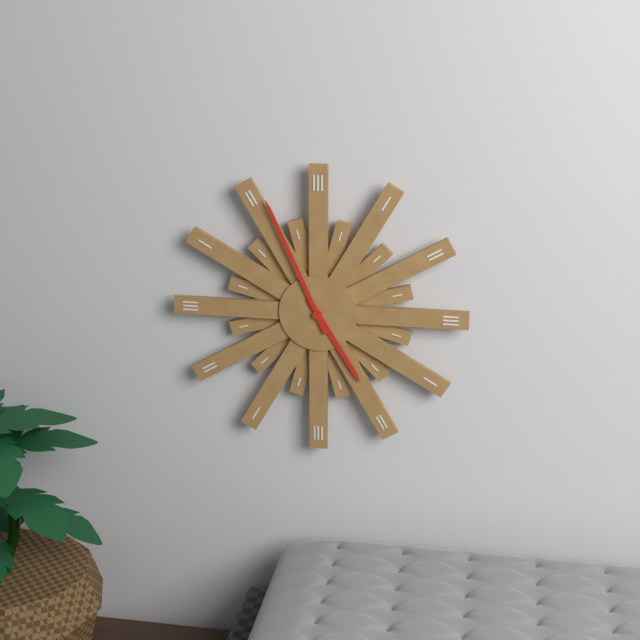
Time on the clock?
4:56
